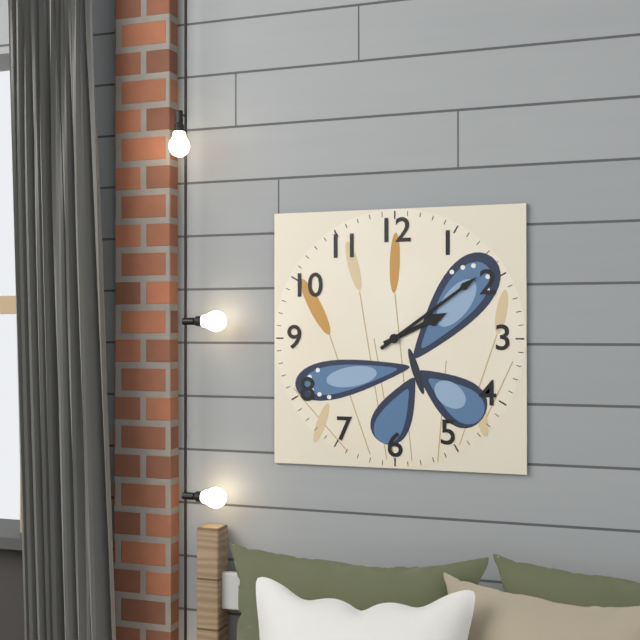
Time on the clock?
2:09
